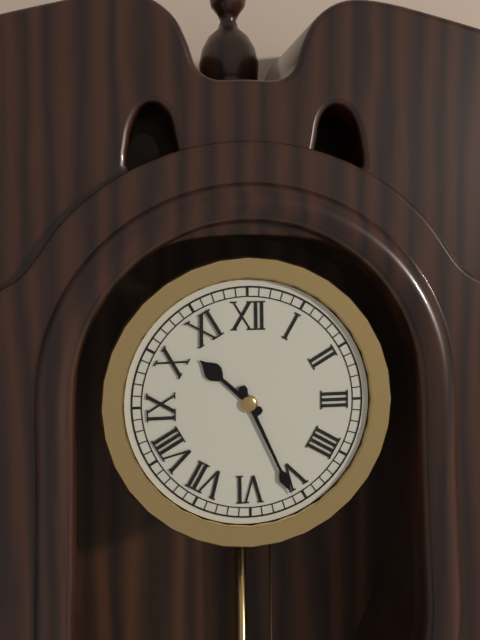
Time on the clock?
10:26
